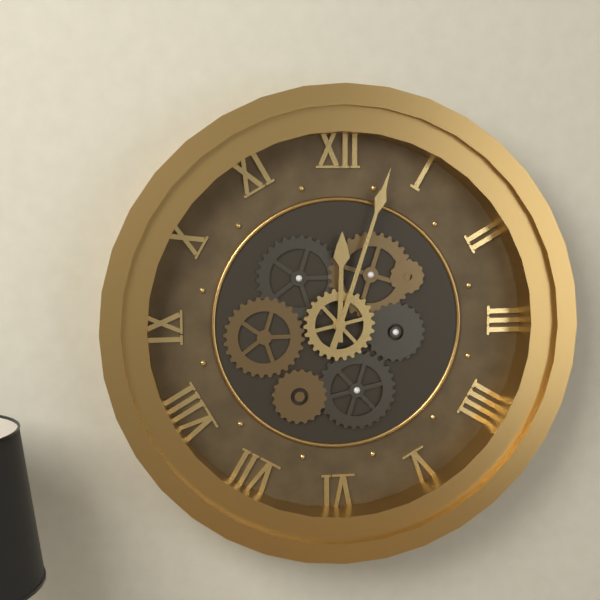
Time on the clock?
12:03
